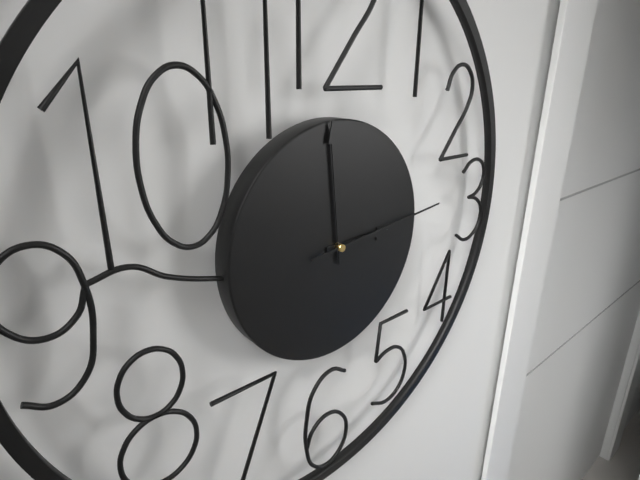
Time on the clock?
2:59:14
